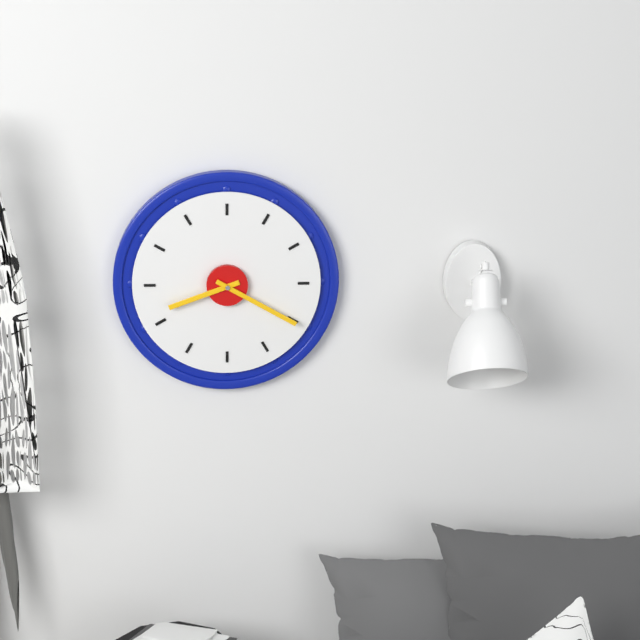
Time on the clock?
8:20
